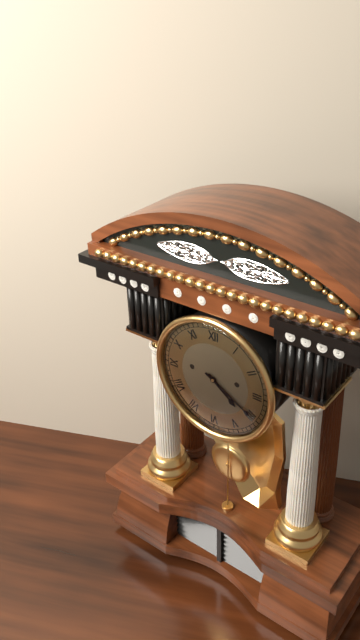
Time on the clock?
4:20
